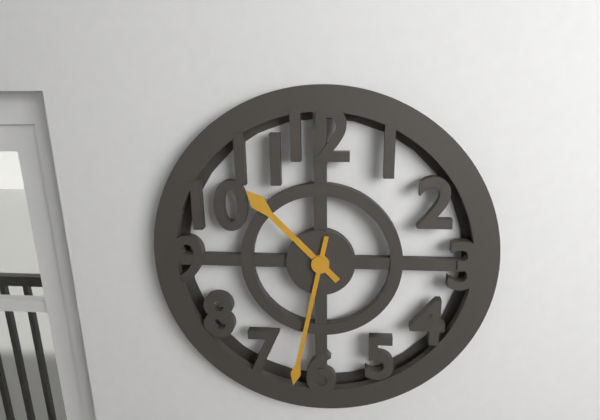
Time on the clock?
10:32
